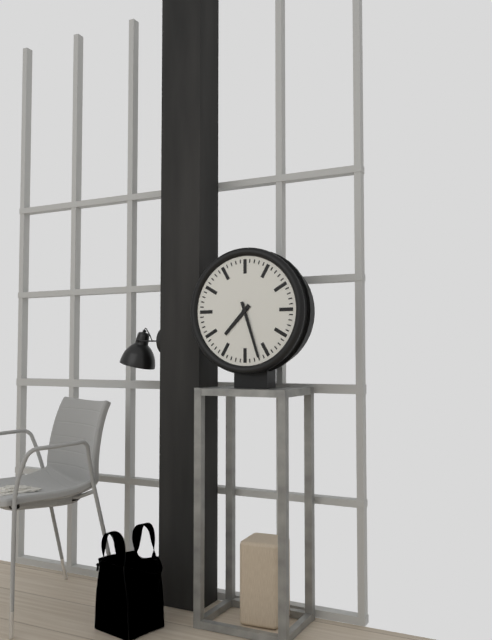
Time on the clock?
7:27
